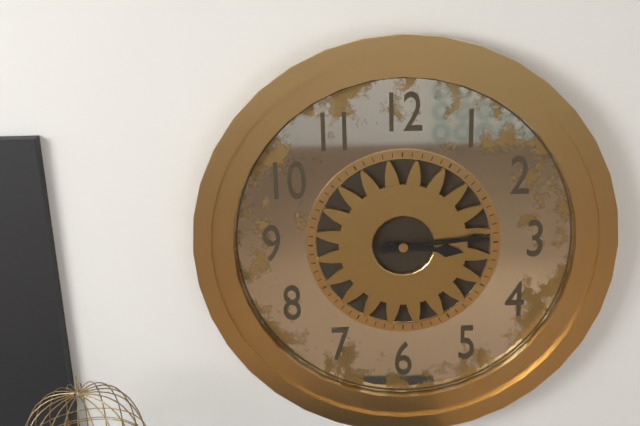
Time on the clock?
3:14
